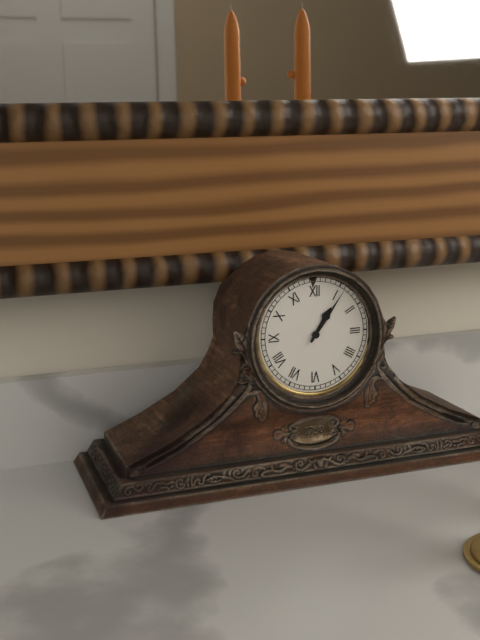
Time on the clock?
1:06
